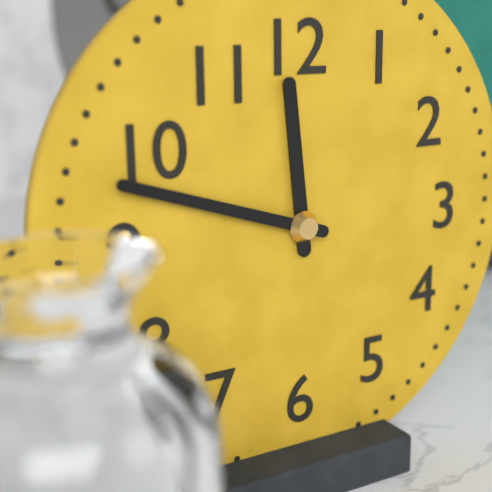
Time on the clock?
11:48
